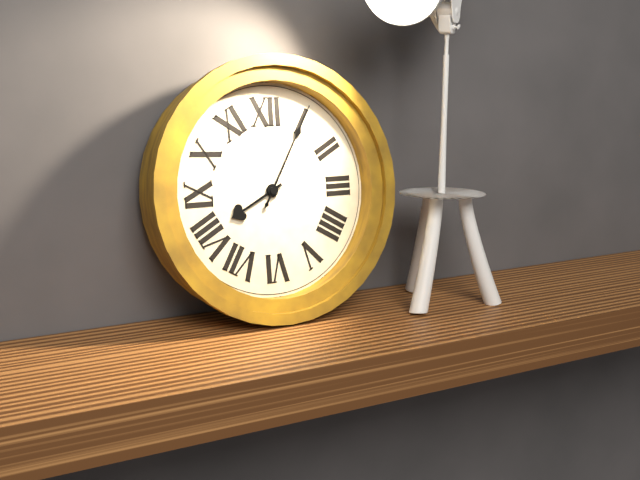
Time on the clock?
8:05
